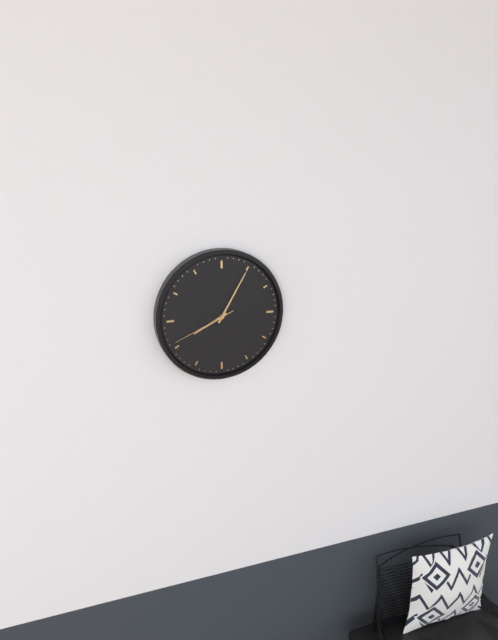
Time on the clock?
8:05:41
